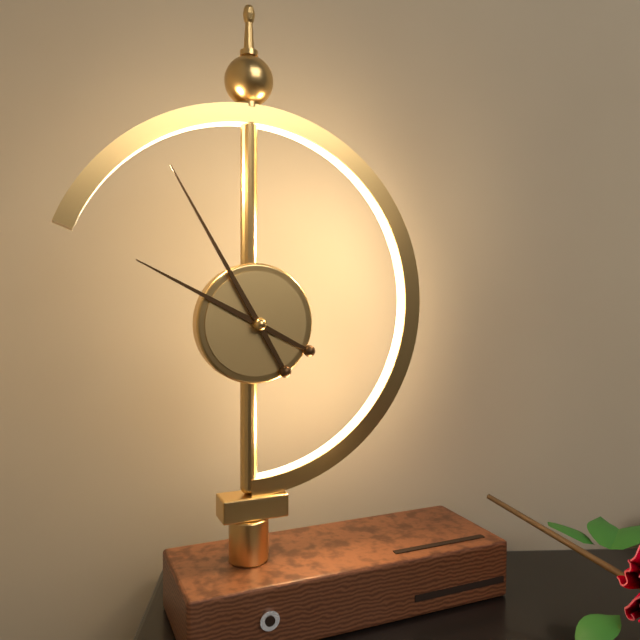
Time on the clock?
9:55
